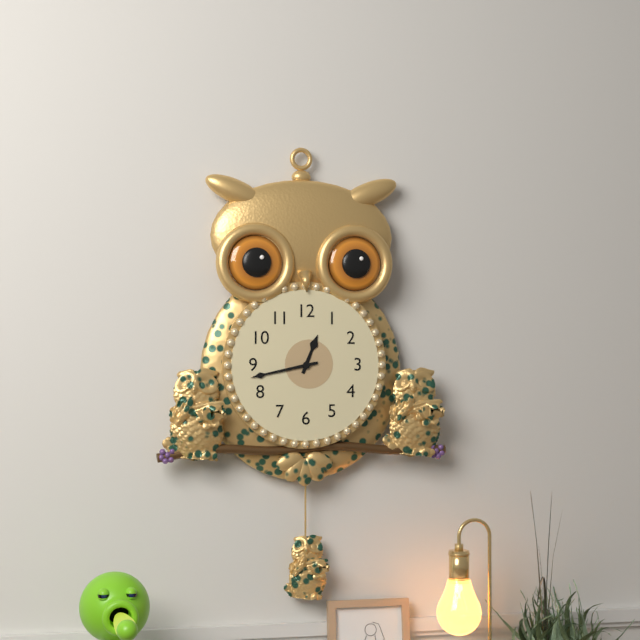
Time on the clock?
12:43
